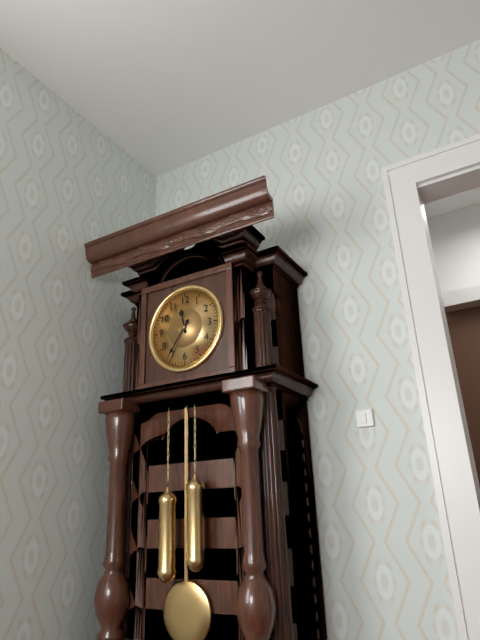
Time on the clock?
11:36
